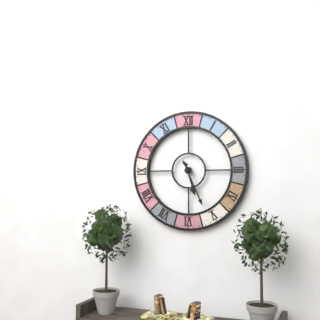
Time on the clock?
5:26
